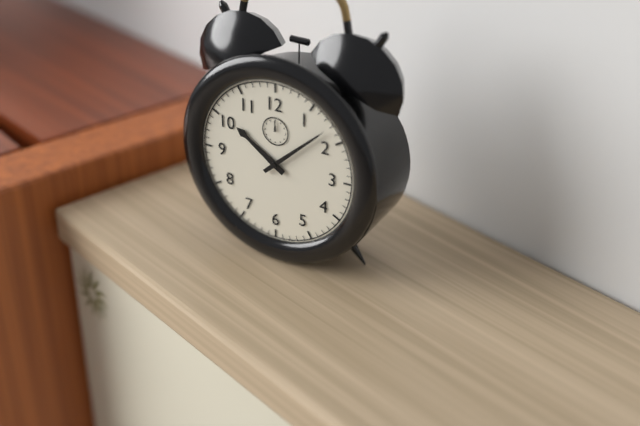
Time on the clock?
10:08
